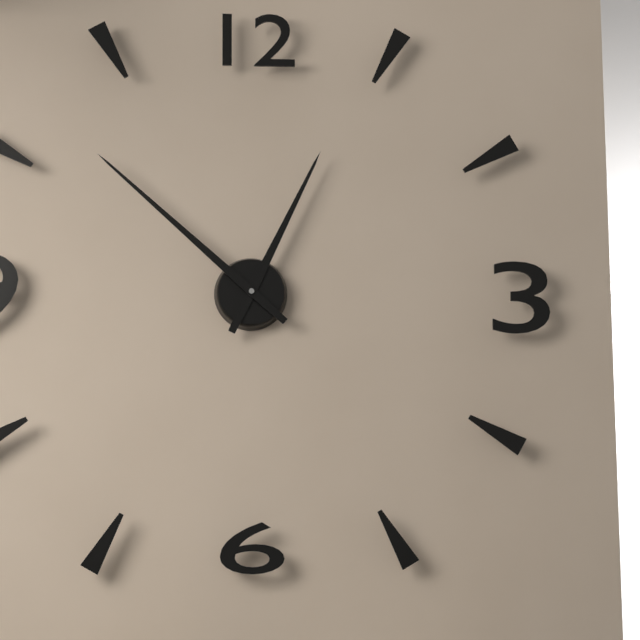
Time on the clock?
12:52
